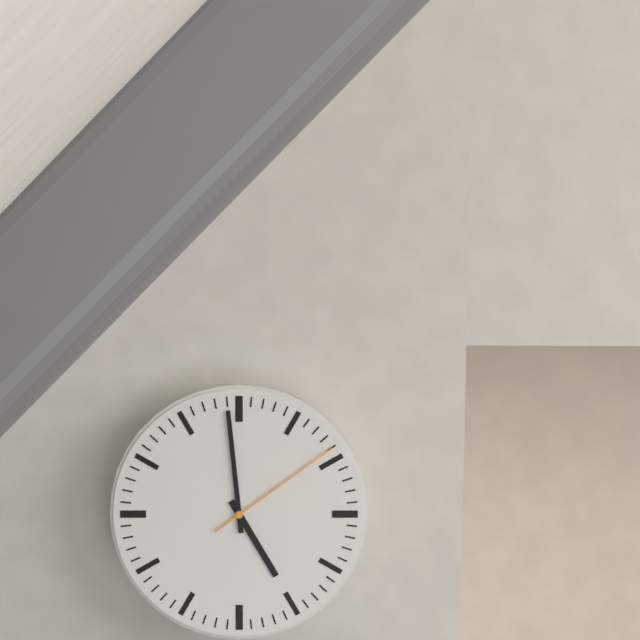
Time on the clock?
4:59:09
